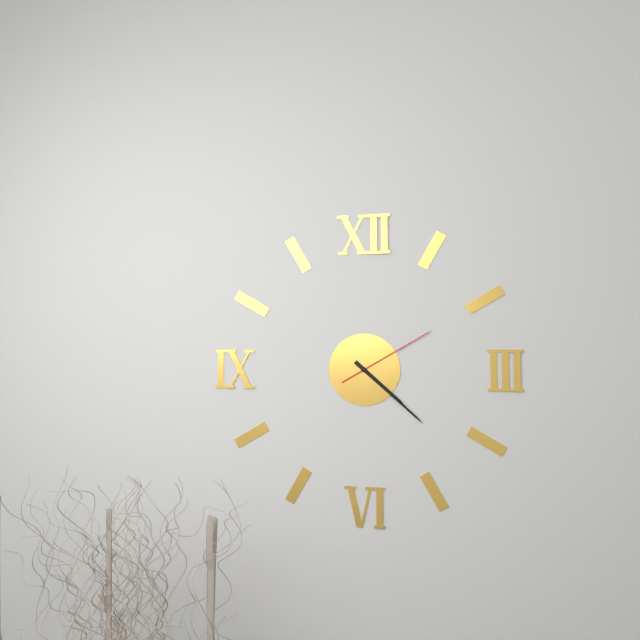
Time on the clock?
4:22:10
